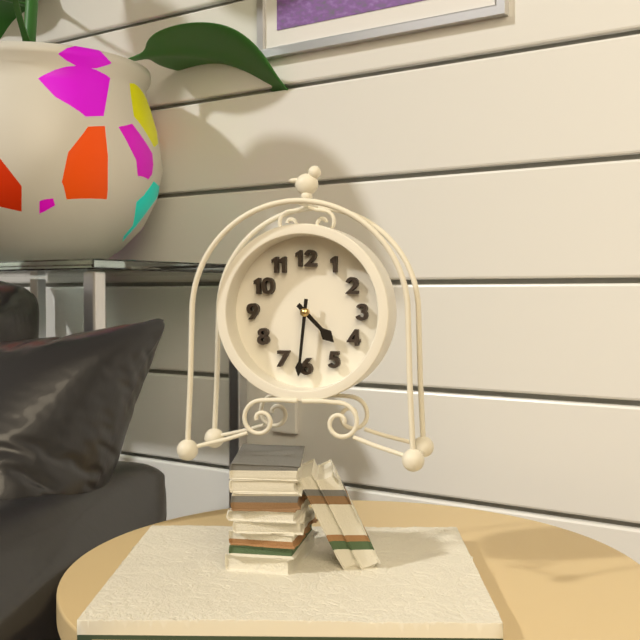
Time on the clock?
4:31
